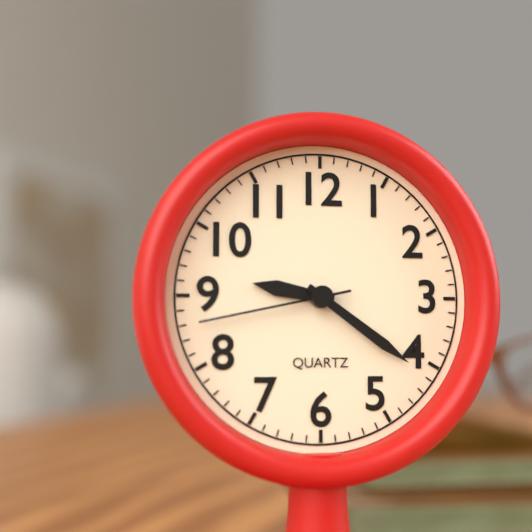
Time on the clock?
9:21:43
